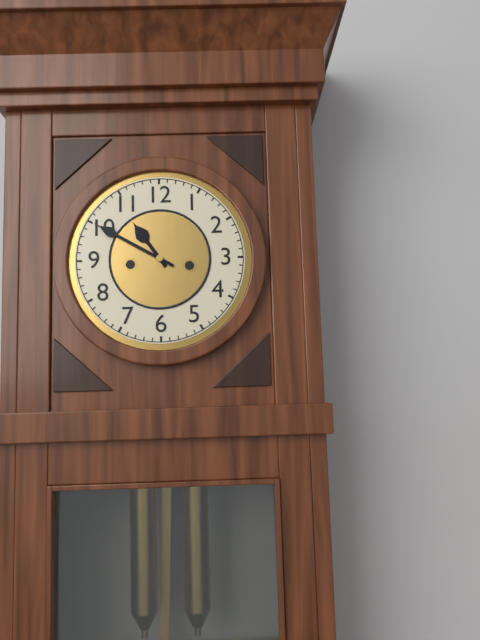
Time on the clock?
10:50
